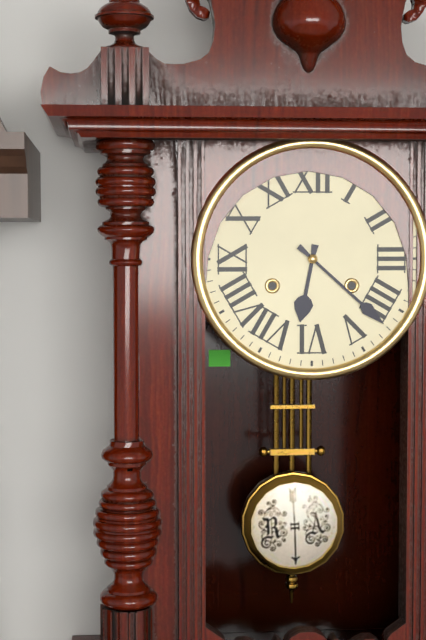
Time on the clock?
6:22
